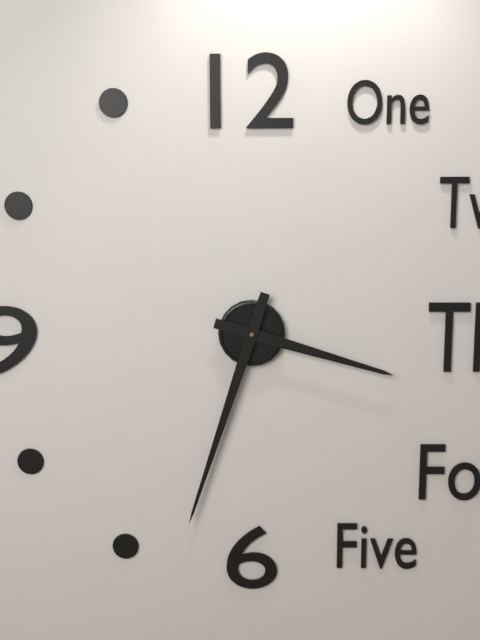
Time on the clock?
3:33
